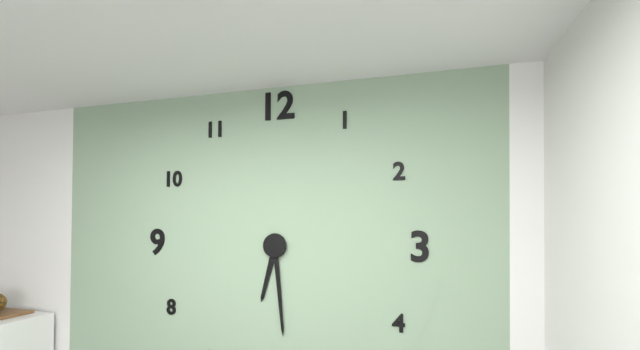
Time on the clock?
6:29
